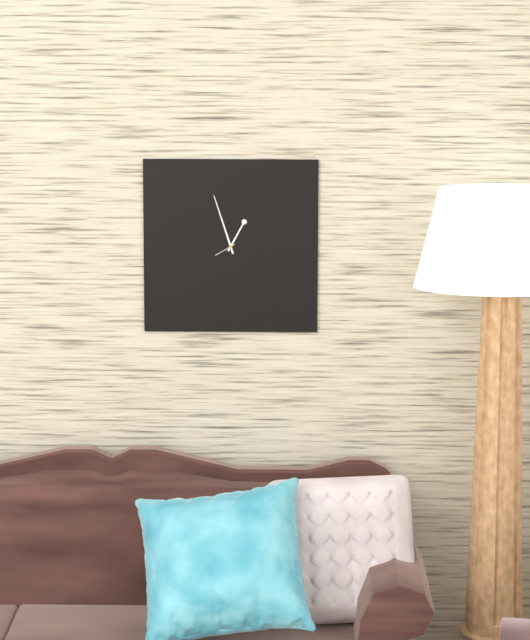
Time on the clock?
12:57
